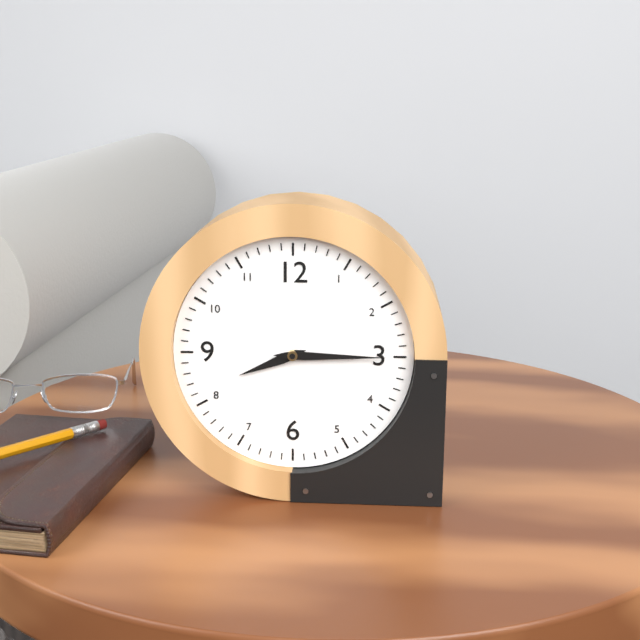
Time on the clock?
8:15
